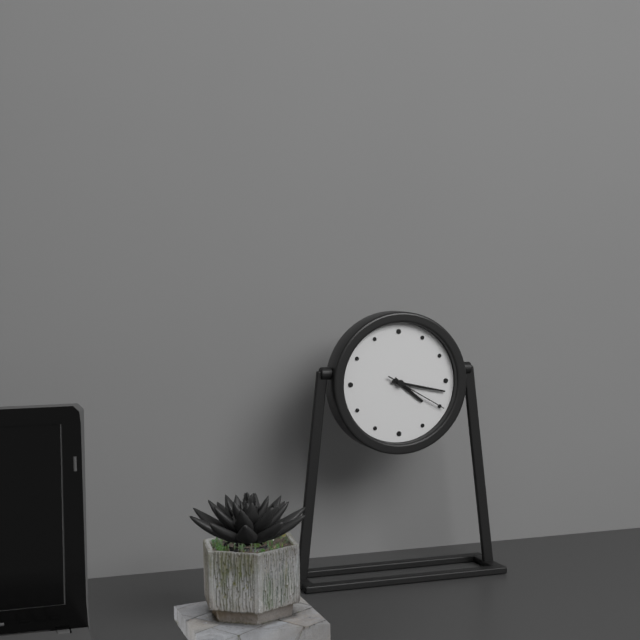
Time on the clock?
4:17:20
